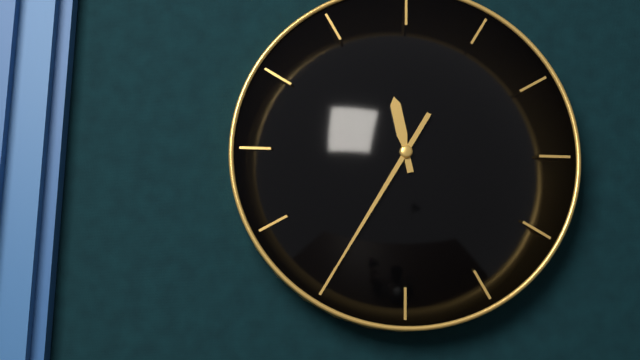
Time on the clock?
11:35
